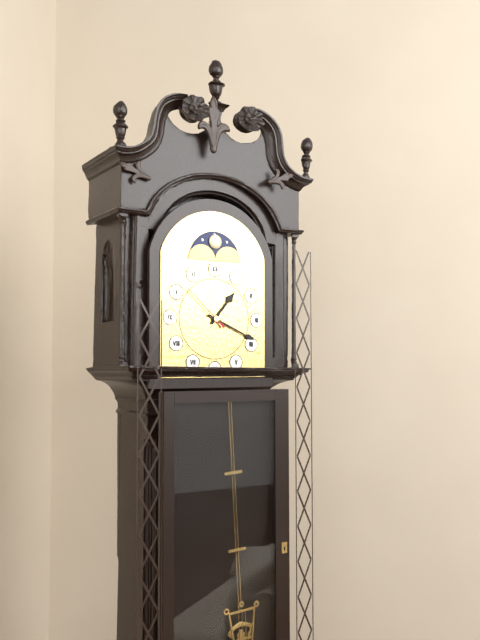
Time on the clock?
1:19:52
